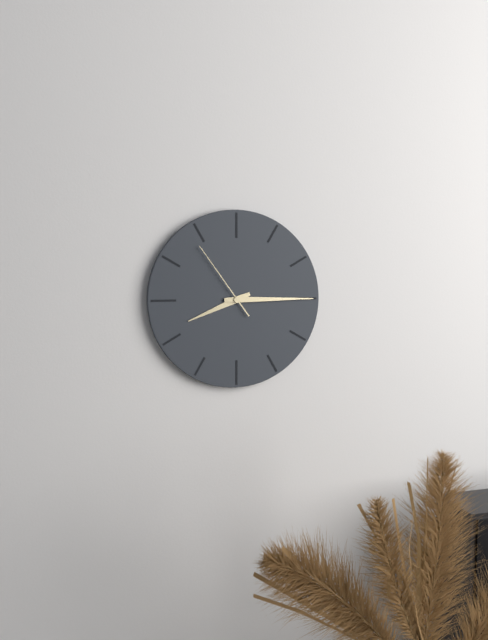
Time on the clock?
8:15:54
